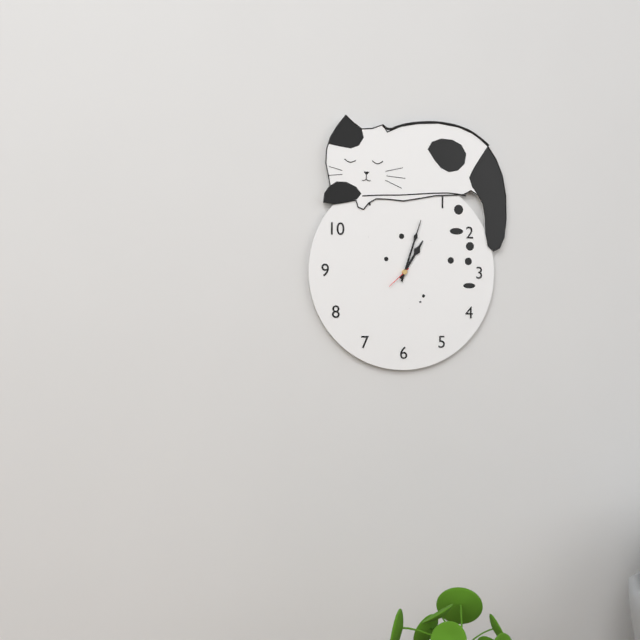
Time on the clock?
1:03
